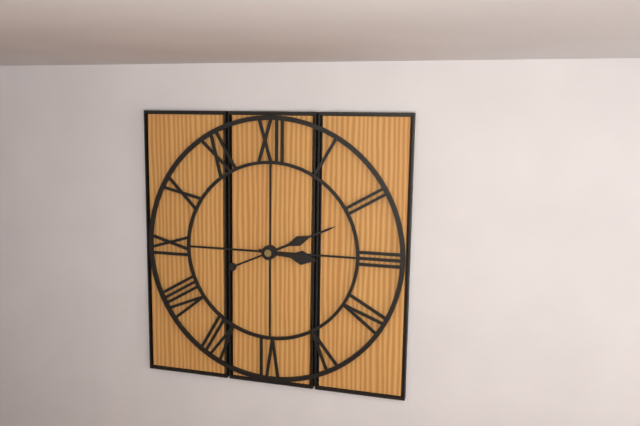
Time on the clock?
3:11
